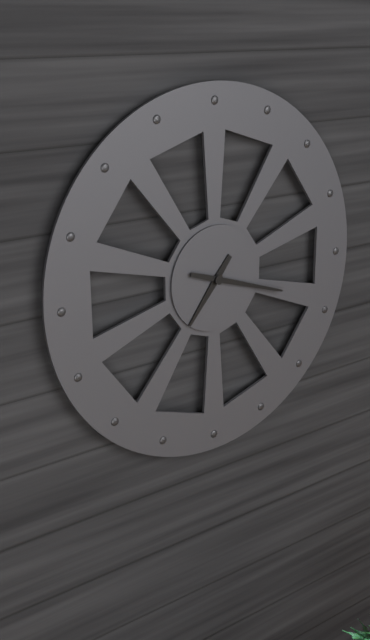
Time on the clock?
7:18
